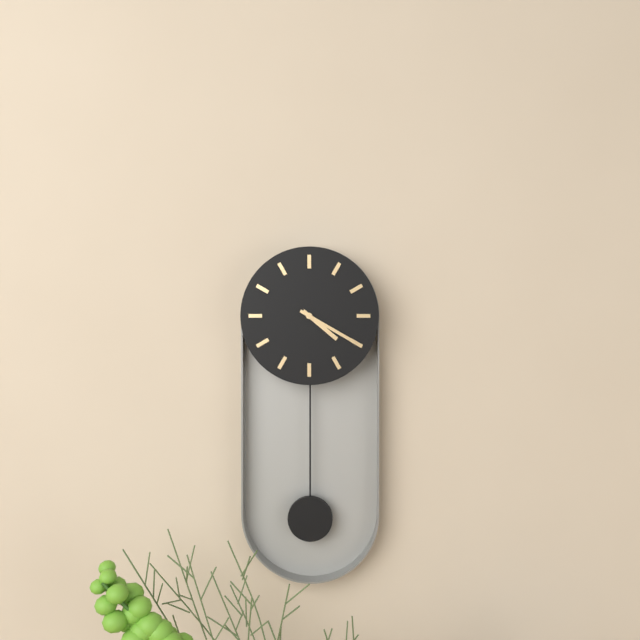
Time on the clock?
4:20
